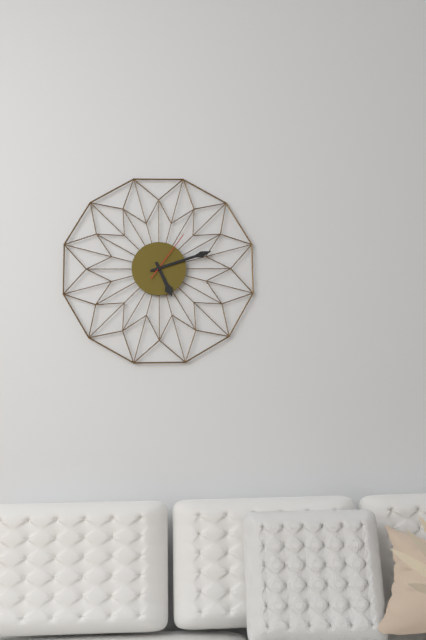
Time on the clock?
5:12:06
